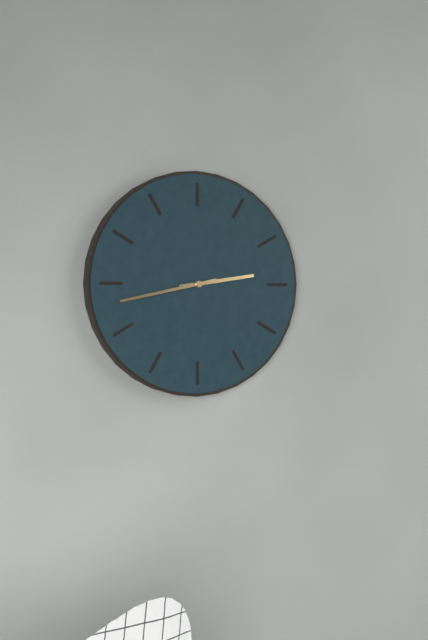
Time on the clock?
2:43
